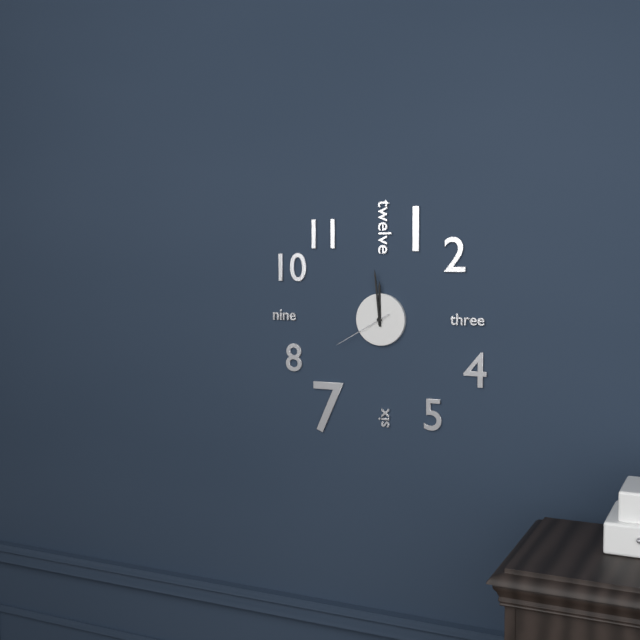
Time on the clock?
11:59:40
